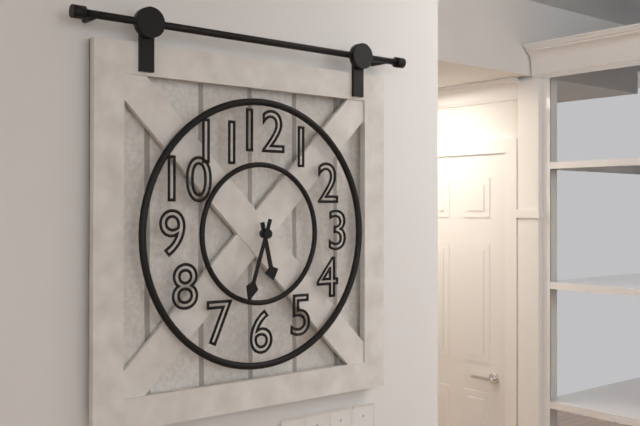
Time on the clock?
5:33
